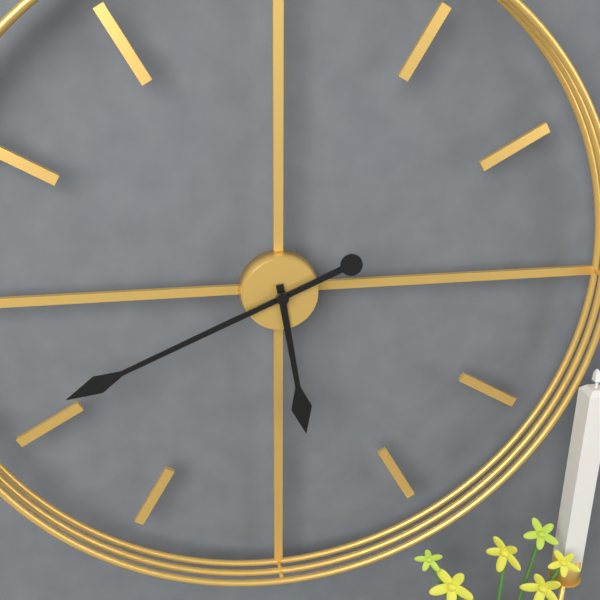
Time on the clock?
5:41
